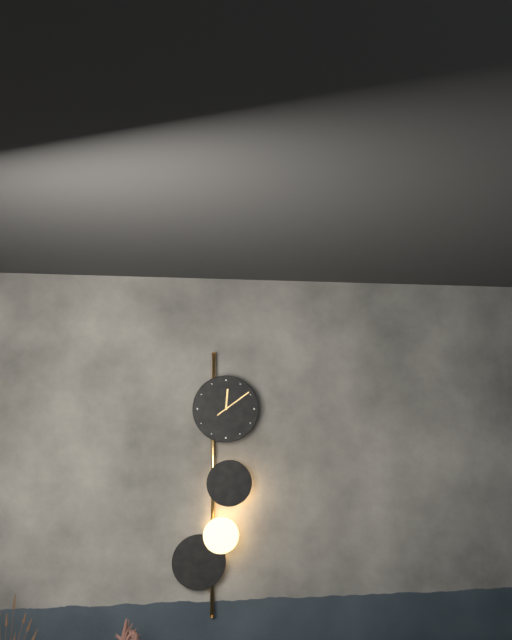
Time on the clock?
12:09
